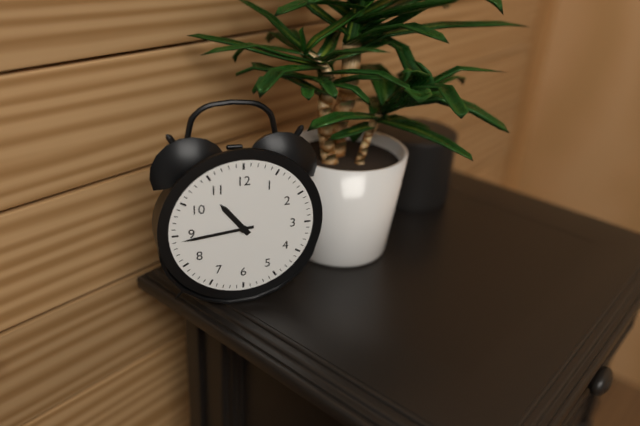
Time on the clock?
10:44
